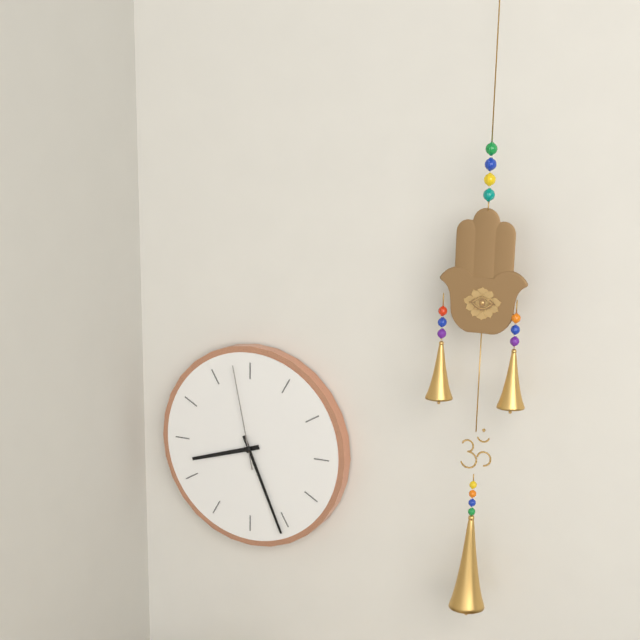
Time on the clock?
8:26:58
